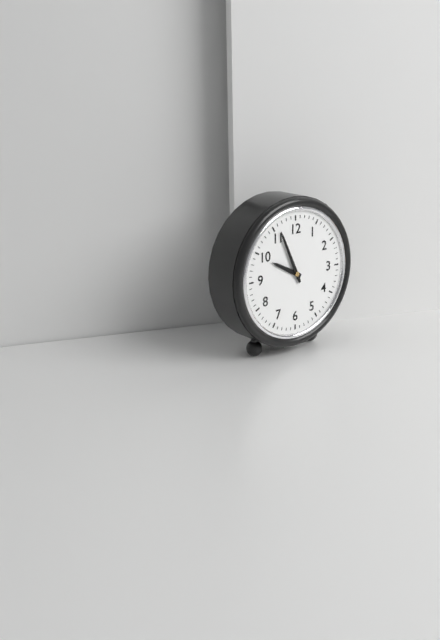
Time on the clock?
9:56
